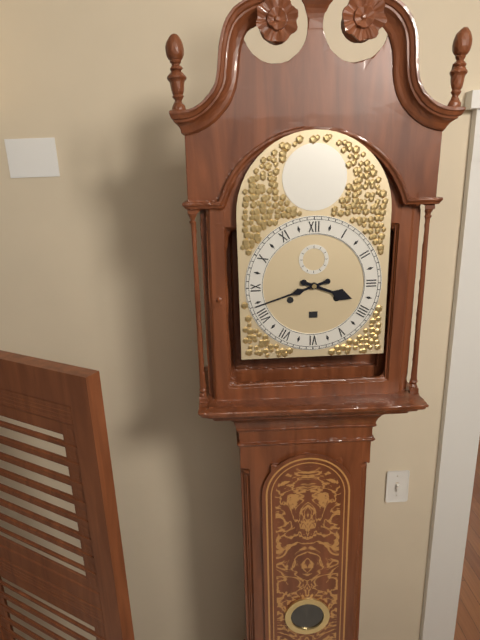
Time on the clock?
3:42
